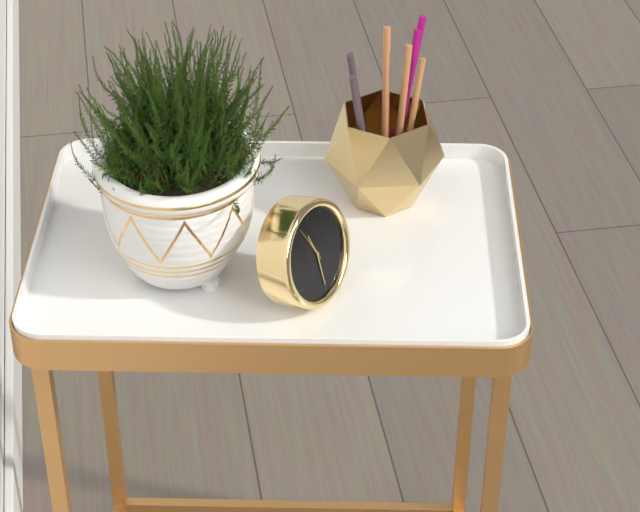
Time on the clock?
11:30
